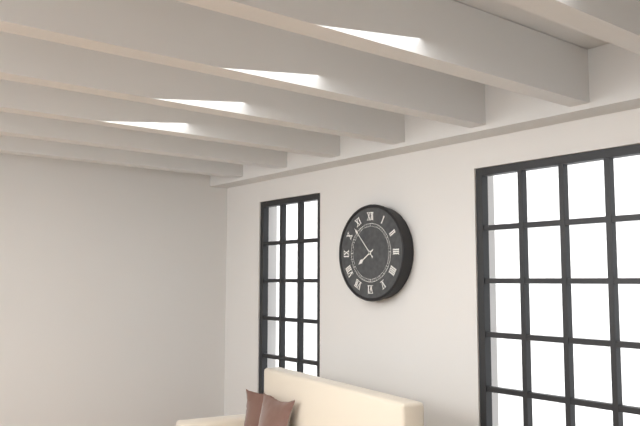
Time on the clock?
7:53
